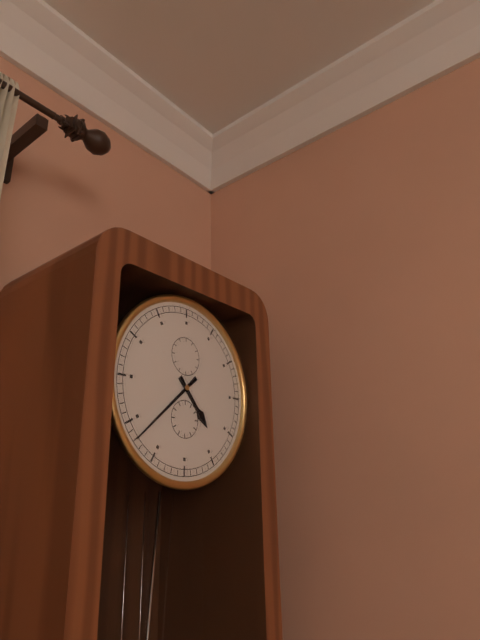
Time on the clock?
4:38
